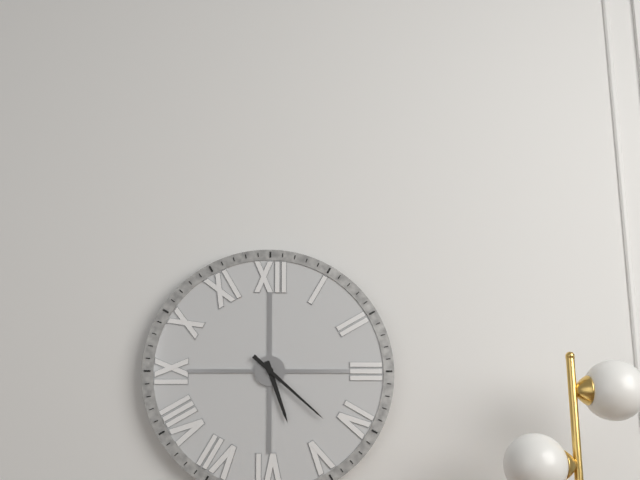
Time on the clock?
5:22
